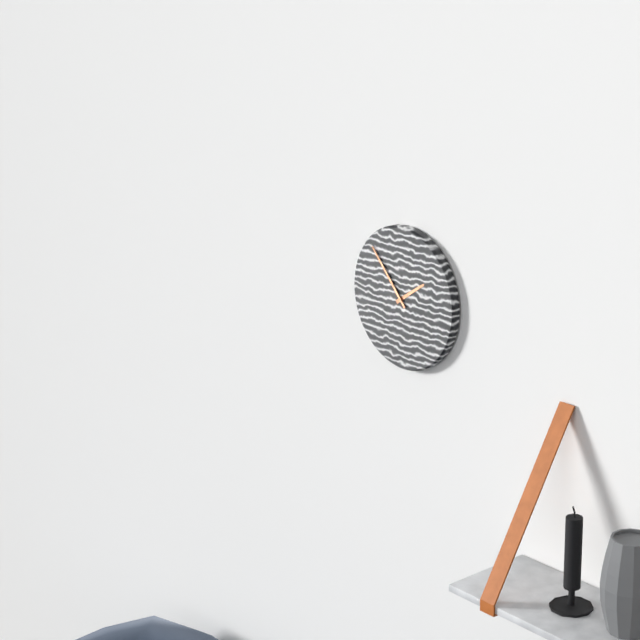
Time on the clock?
1:53
